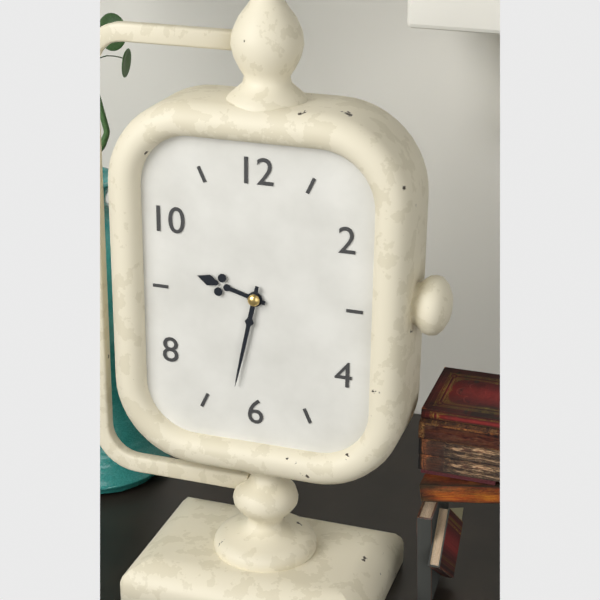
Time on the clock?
9:32
